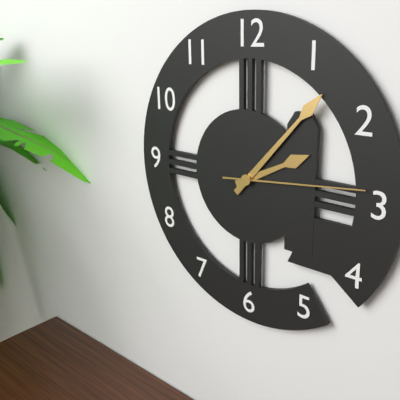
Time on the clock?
2:07:14
